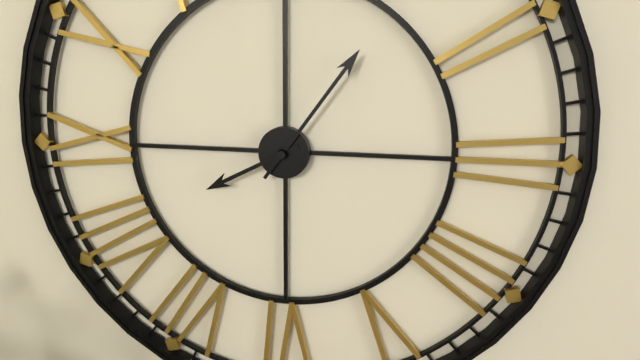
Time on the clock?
8:06
